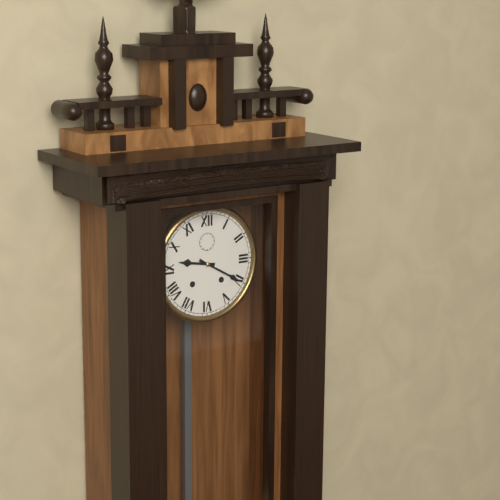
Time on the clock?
9:20
